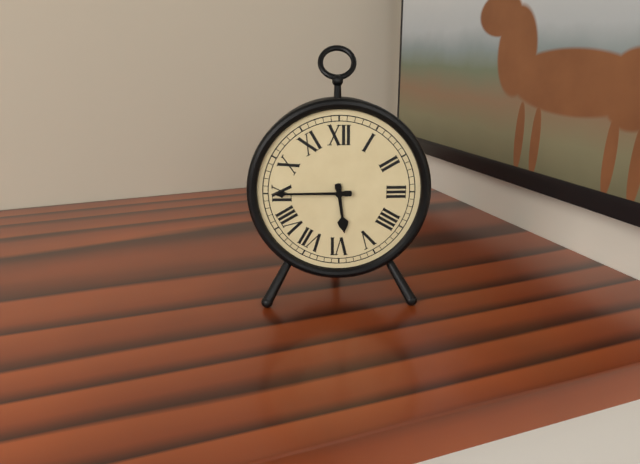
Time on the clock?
5:45
